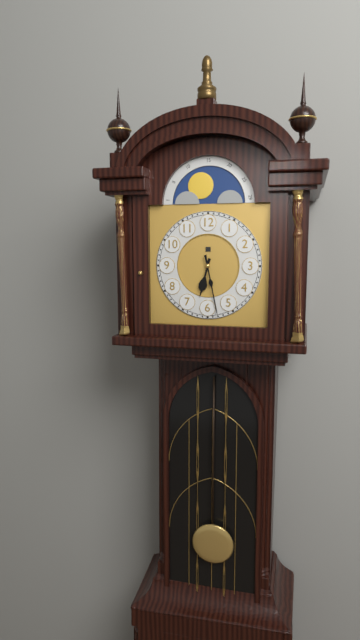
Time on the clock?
6:28
